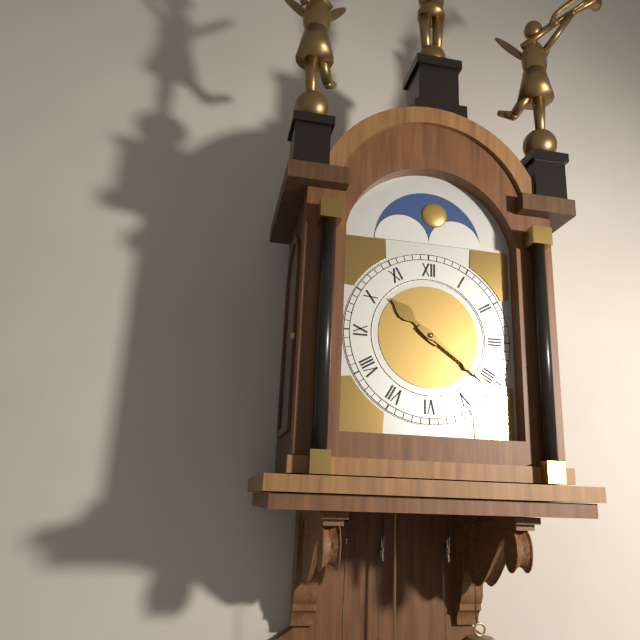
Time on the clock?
10:21
